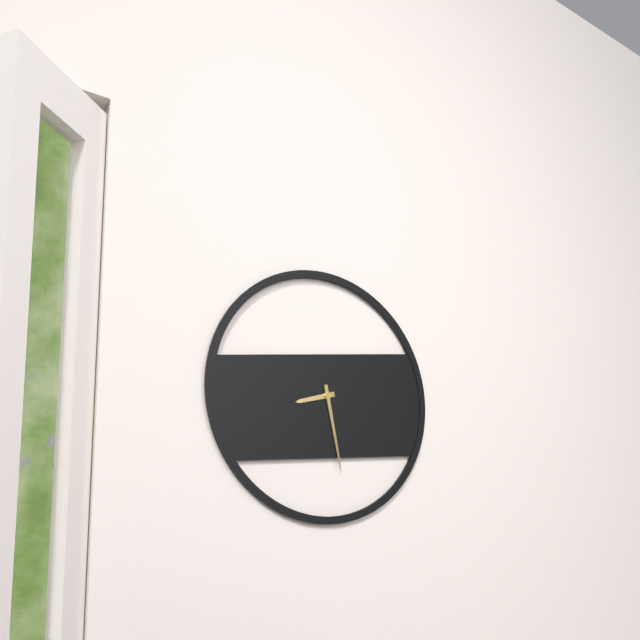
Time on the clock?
8:28
